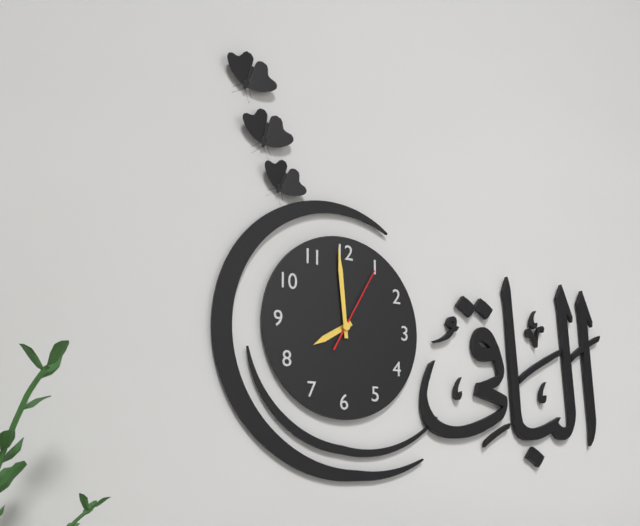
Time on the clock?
7:59:05
